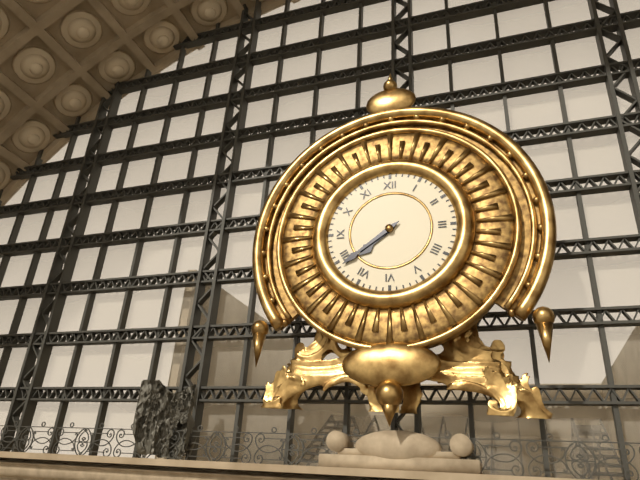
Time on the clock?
7:39
